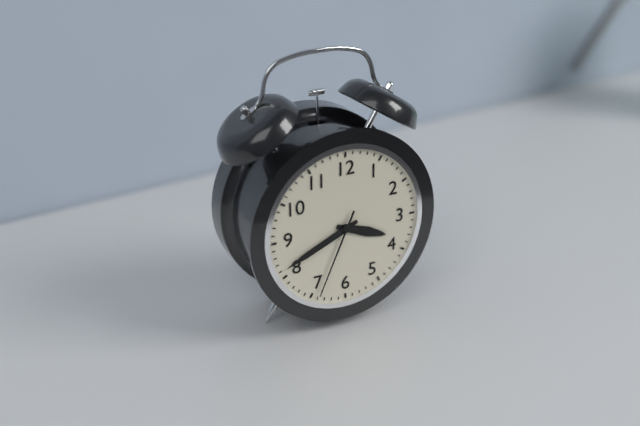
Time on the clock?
3:41:34
